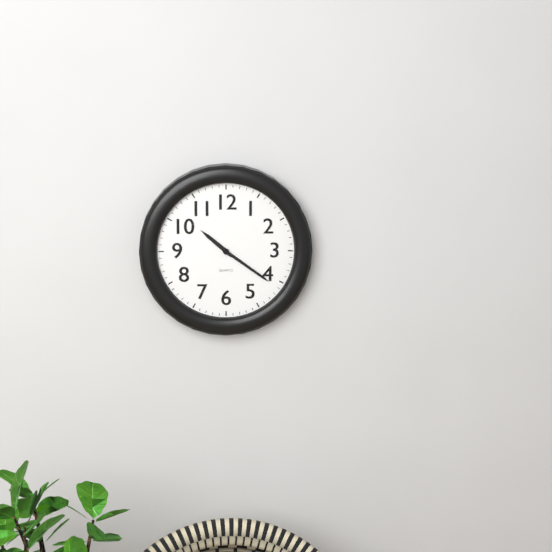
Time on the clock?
10:21
